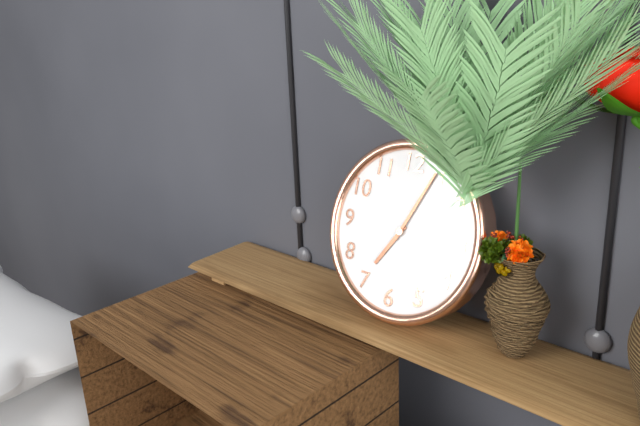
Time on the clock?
7:04
